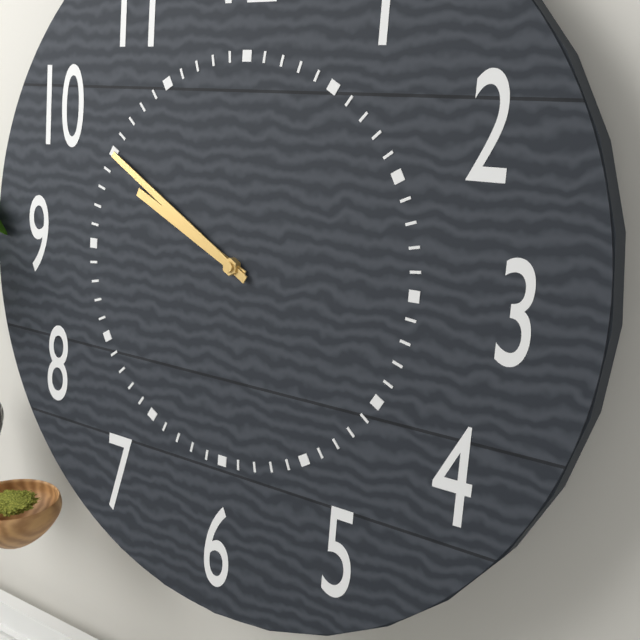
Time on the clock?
9:50
